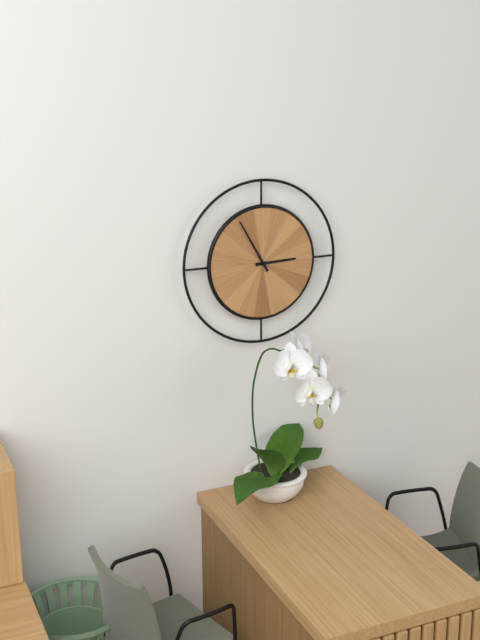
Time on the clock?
2:55
